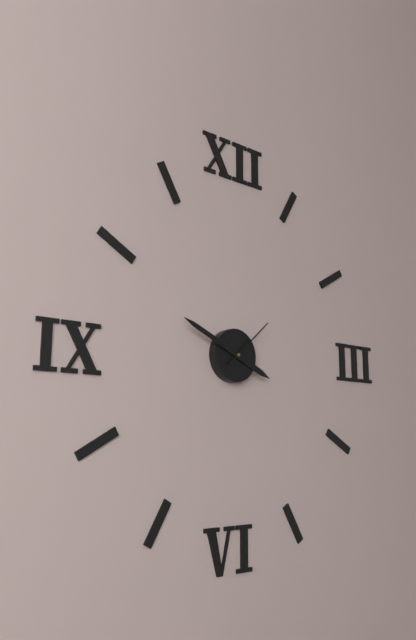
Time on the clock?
3:49:08
